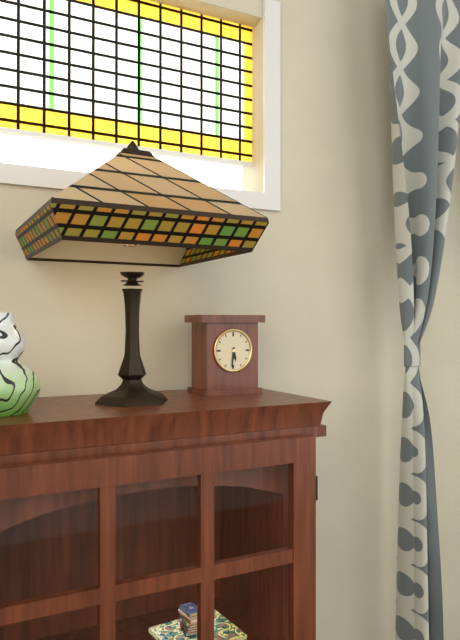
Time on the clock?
5:31
